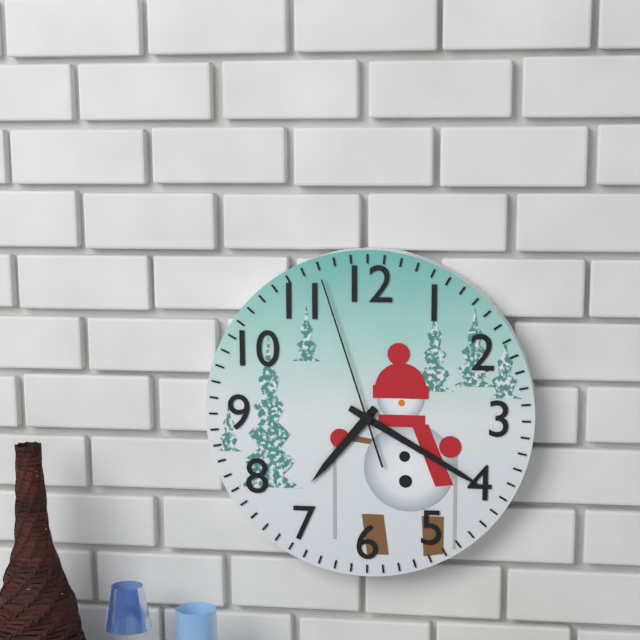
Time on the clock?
7:20:57
